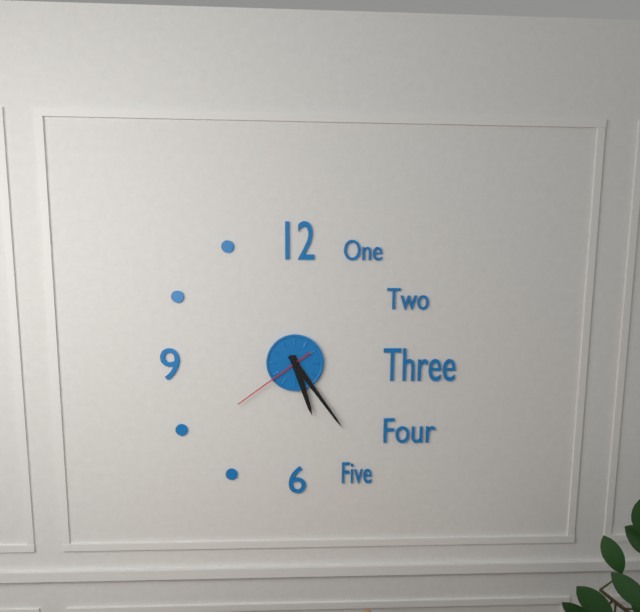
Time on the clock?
5:24:39
